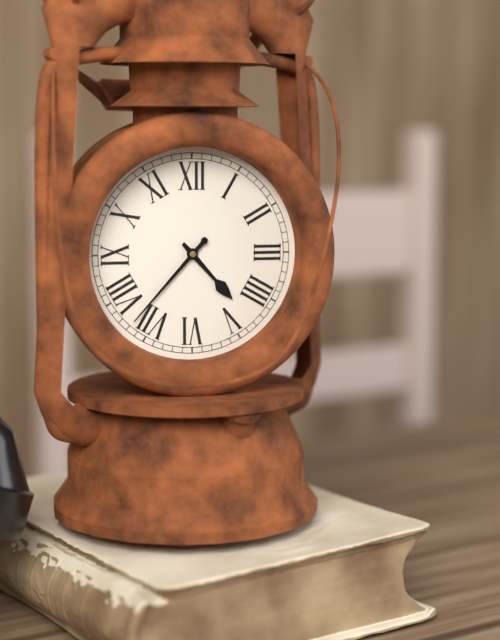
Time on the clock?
4:37
